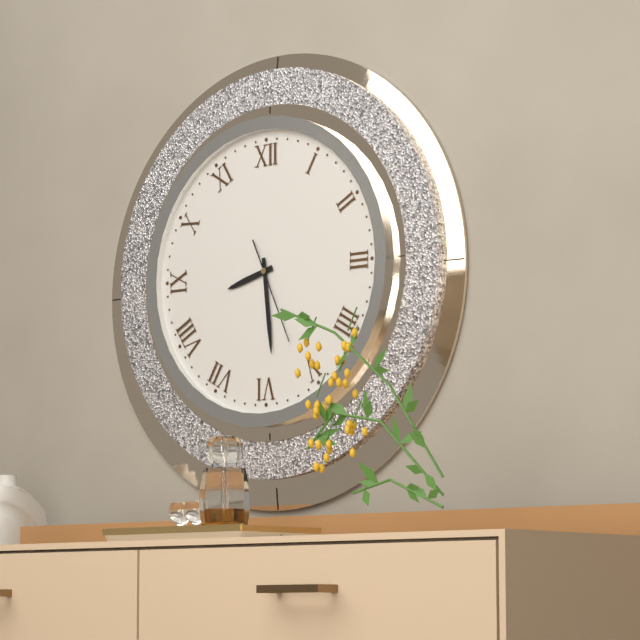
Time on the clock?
8:29:26
